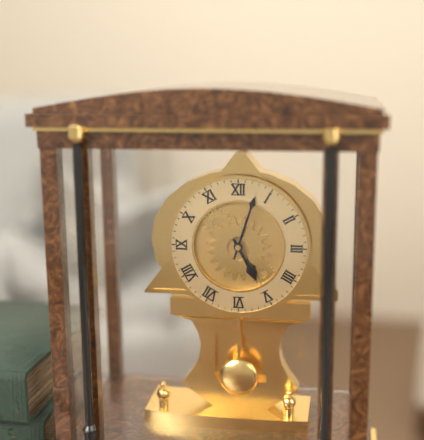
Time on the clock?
5:03
